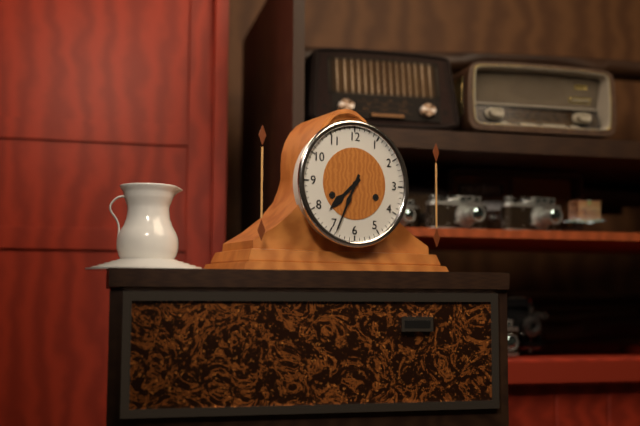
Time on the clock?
7:34
